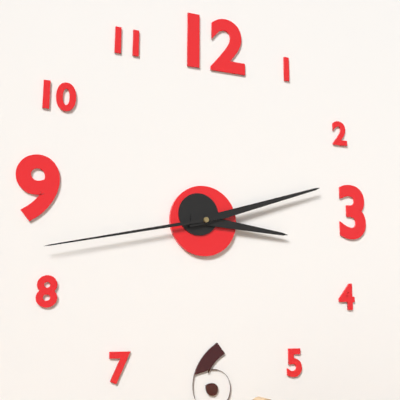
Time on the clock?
3:12:43
